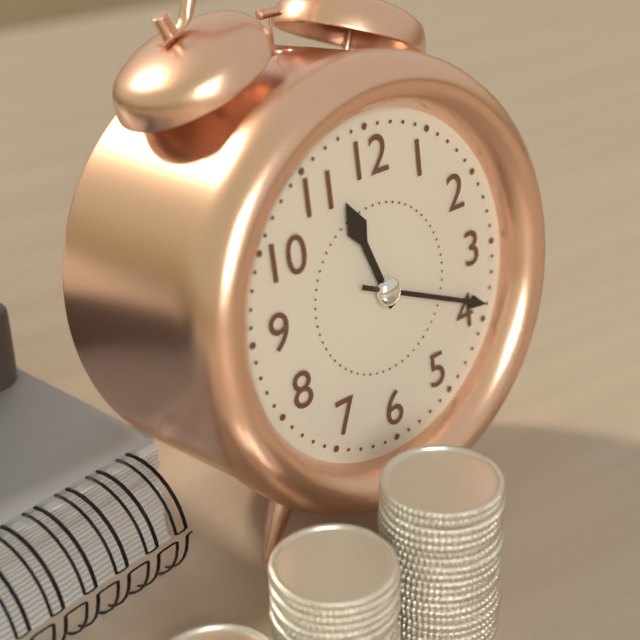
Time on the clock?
11:19
